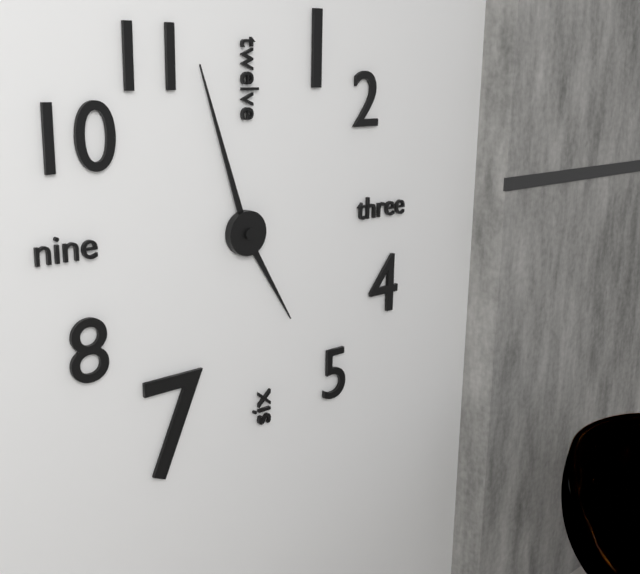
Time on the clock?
4:57
